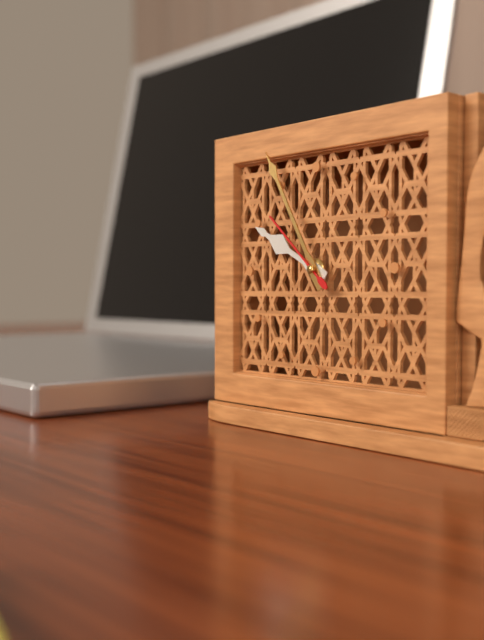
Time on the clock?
9:55:52
